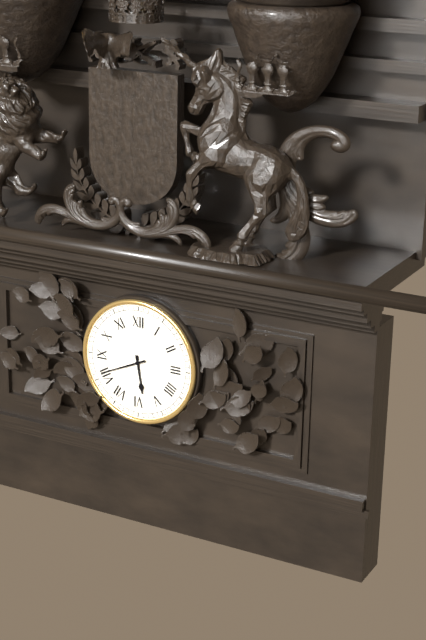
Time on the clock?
5:41
